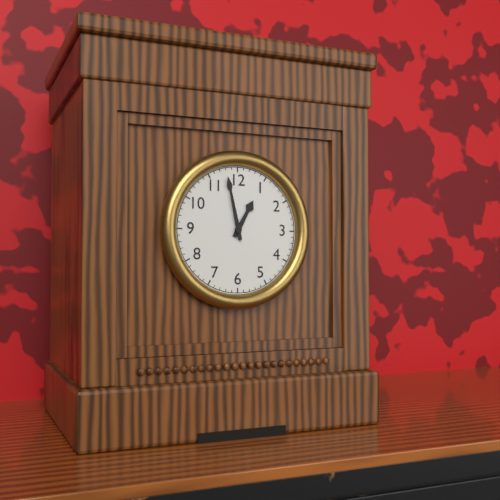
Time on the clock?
12:58
